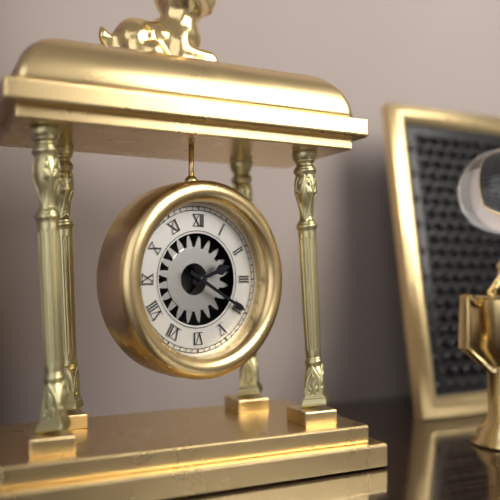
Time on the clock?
2:20
